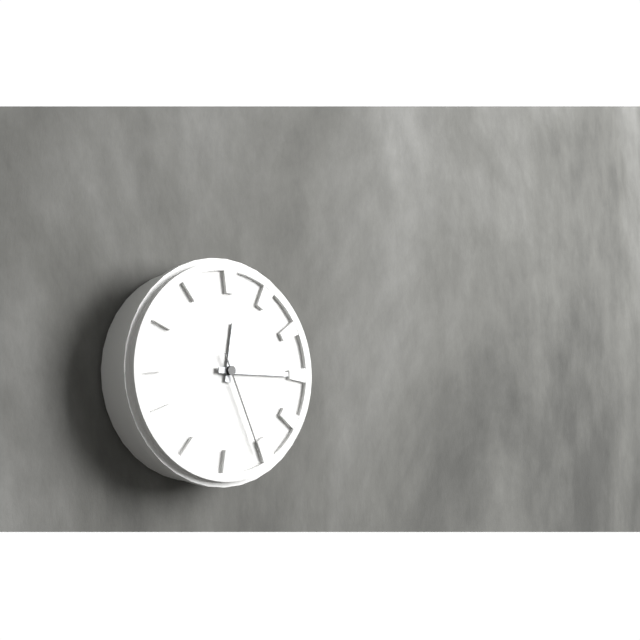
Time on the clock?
12:15:26
